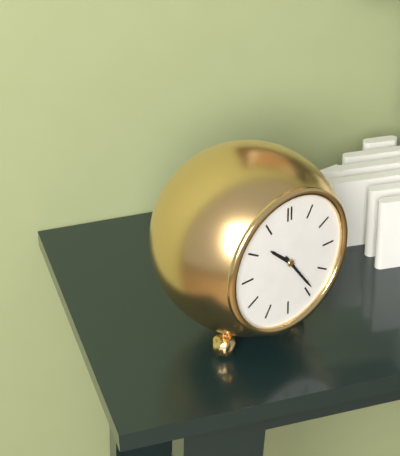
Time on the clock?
10:24
